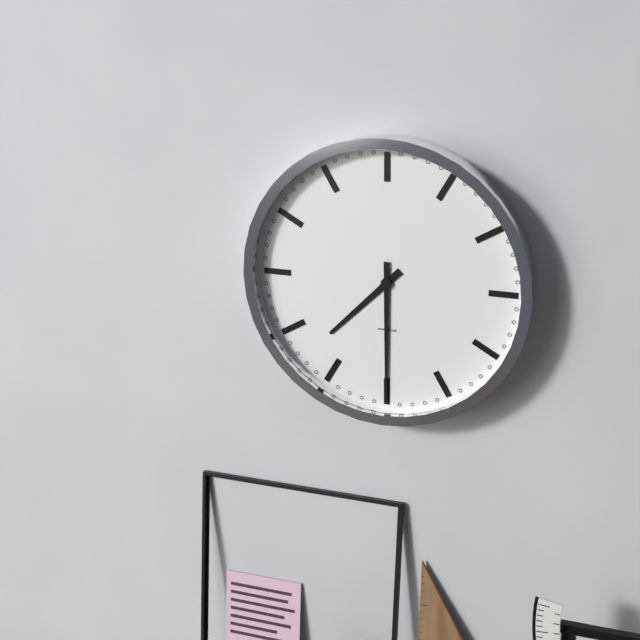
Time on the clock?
7:30
